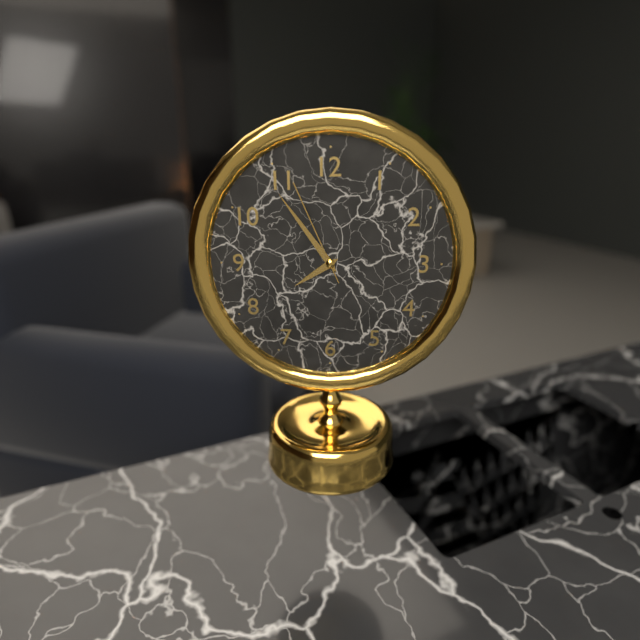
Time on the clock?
7:54:56
